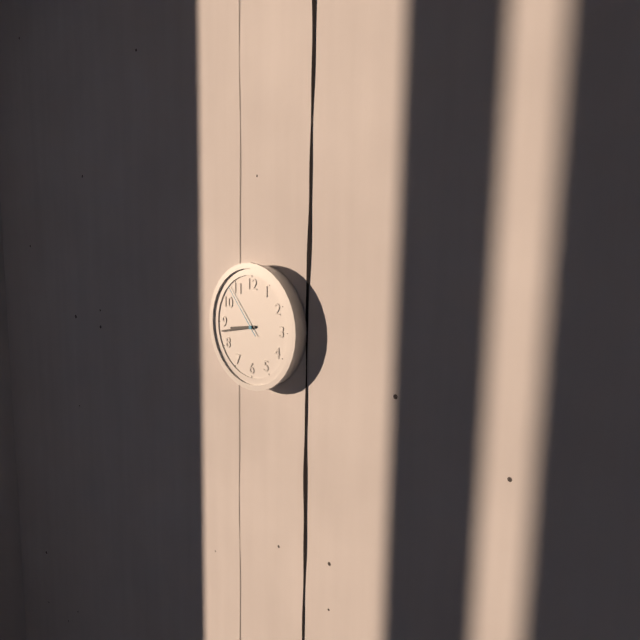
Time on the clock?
8:43:53
